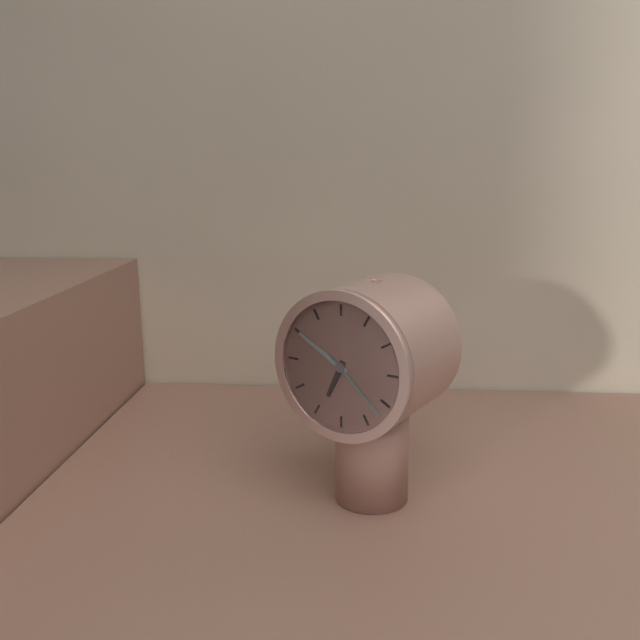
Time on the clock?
6:50:22
